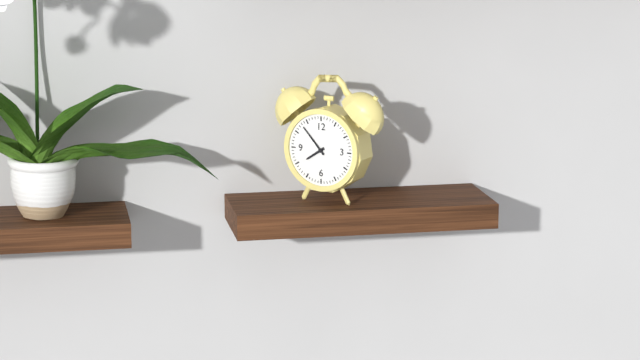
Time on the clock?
7:53
